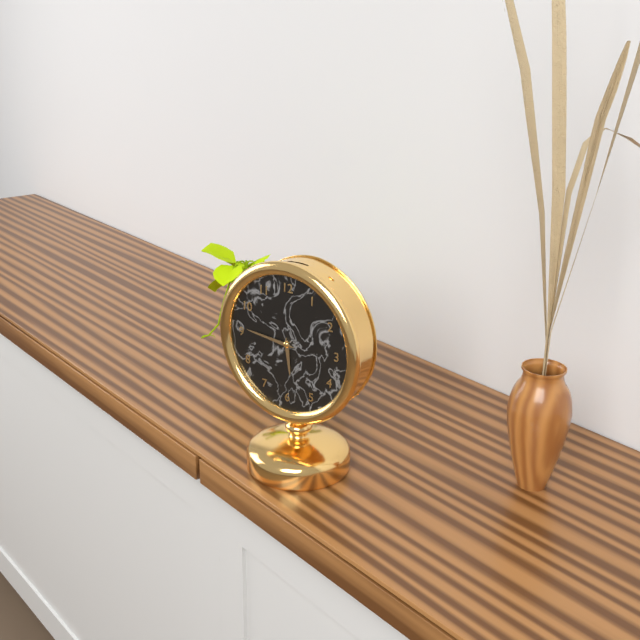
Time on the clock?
5:46
